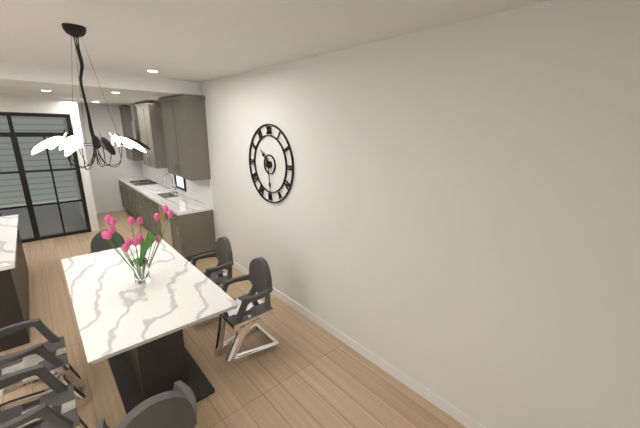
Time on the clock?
10:29
